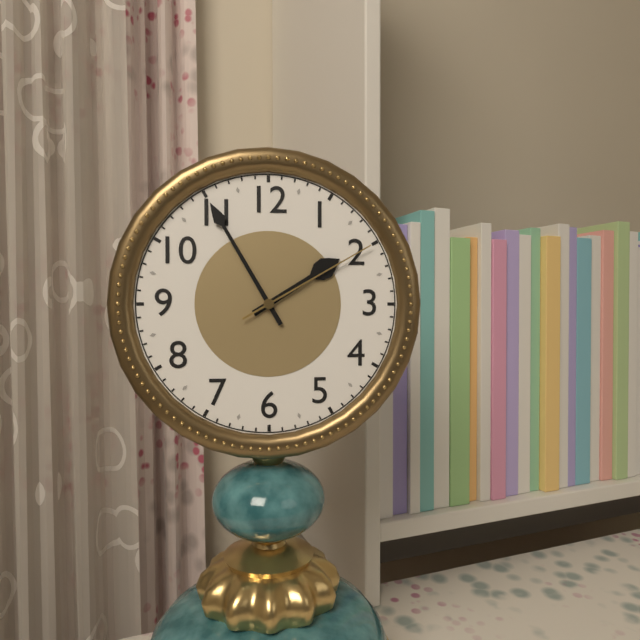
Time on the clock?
1:55:10
